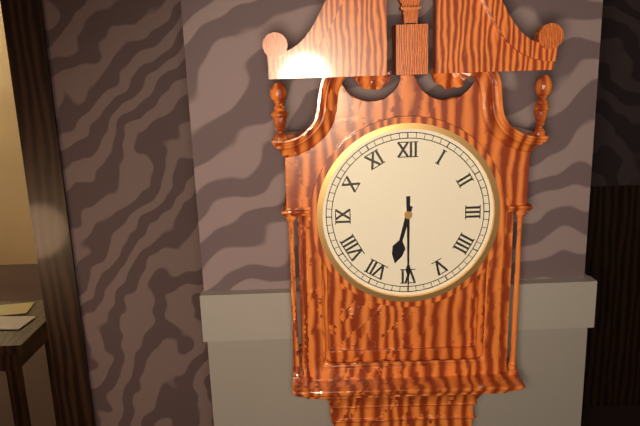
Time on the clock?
6:30
